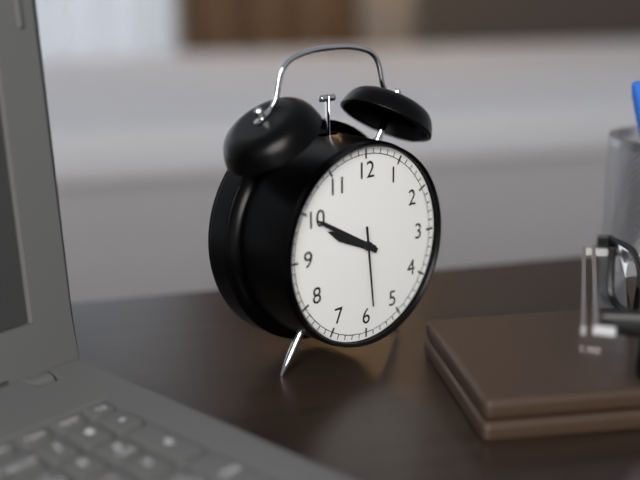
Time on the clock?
9:50:29
